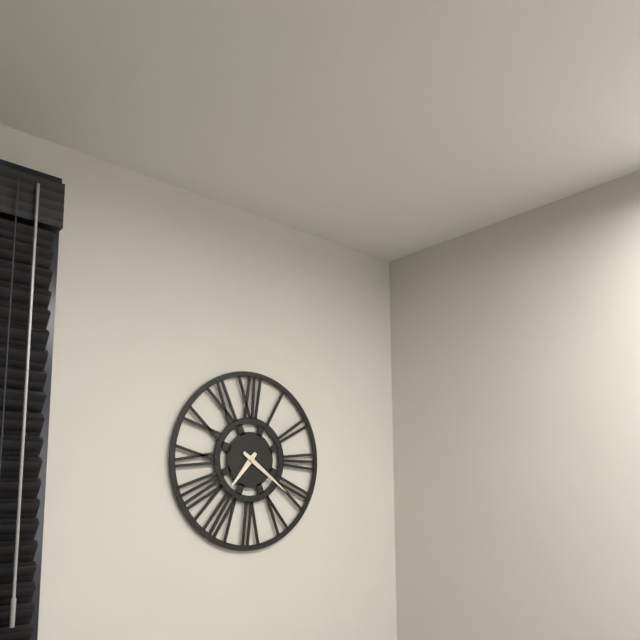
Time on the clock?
7:21
